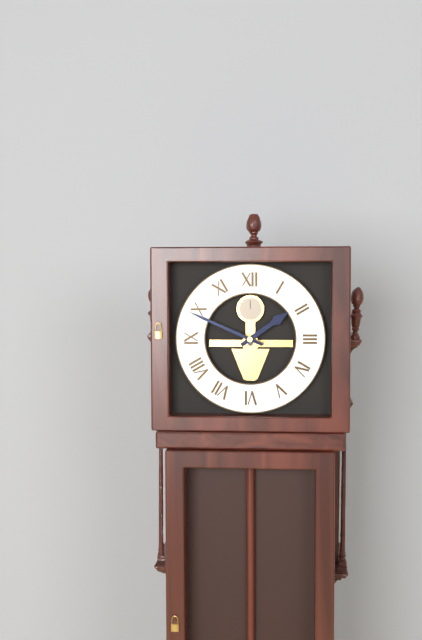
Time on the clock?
1:49
